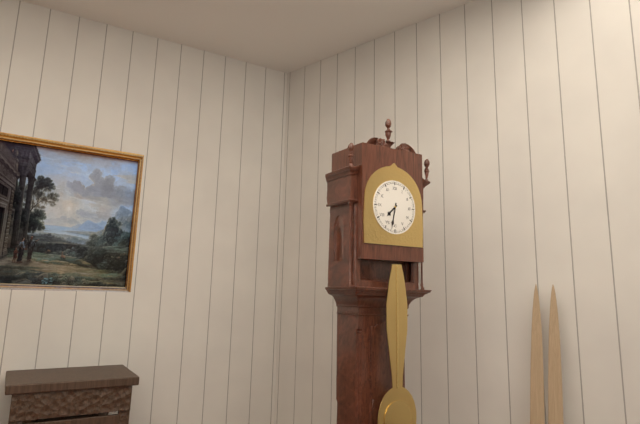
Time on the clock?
7:32
